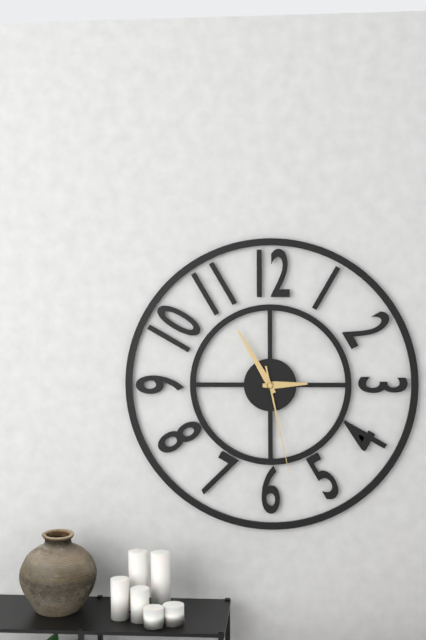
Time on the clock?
2:55:28
